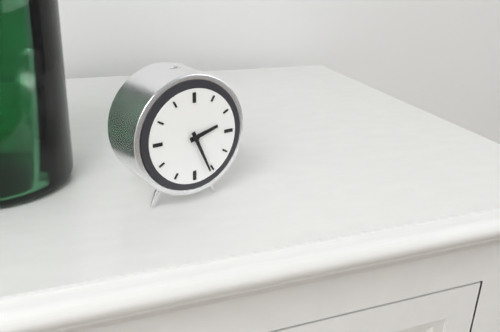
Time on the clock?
2:26
